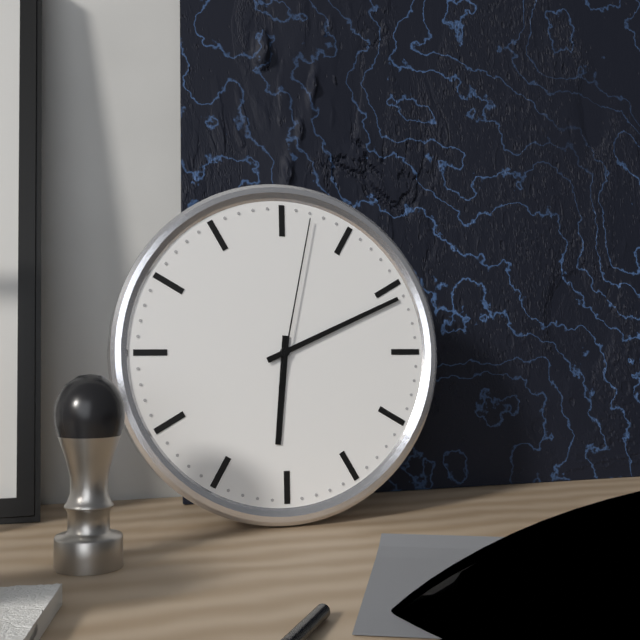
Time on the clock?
6:11:02
